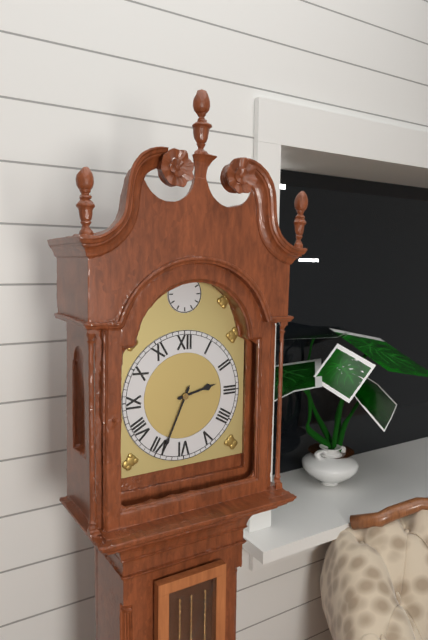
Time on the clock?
2:34
